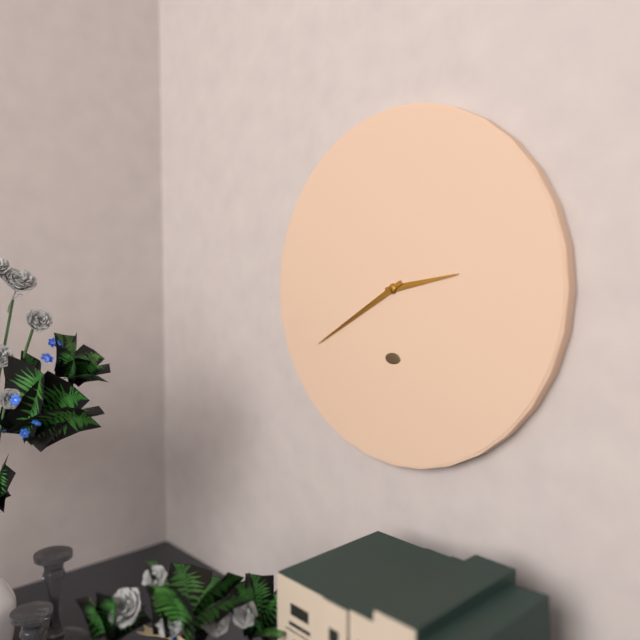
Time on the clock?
2:40
